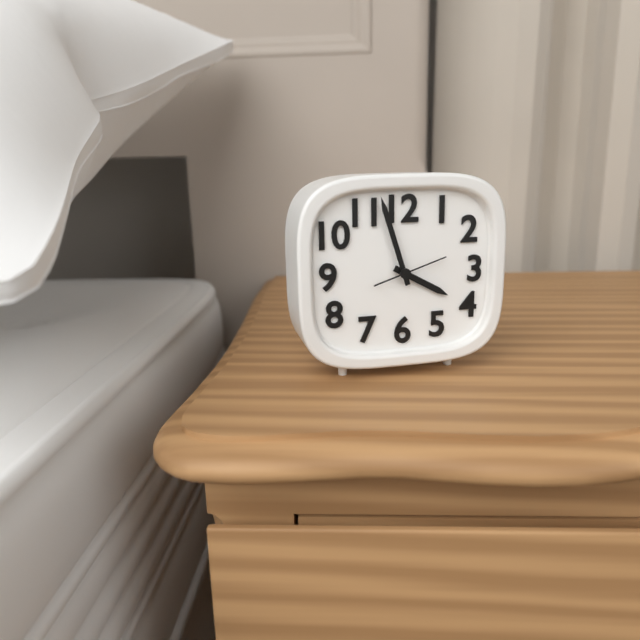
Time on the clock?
3:57:12
